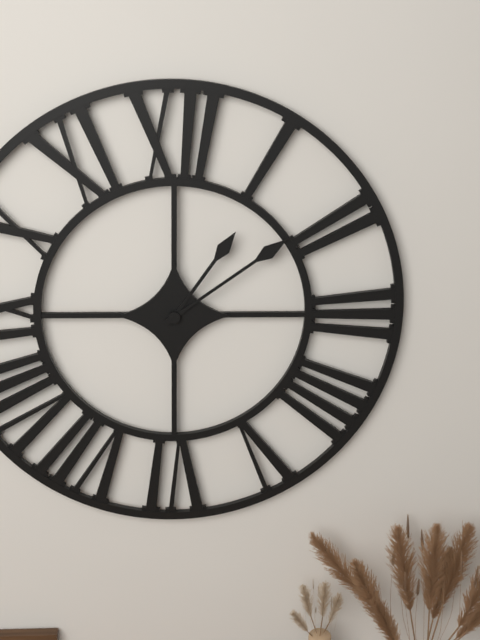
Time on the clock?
1:09
